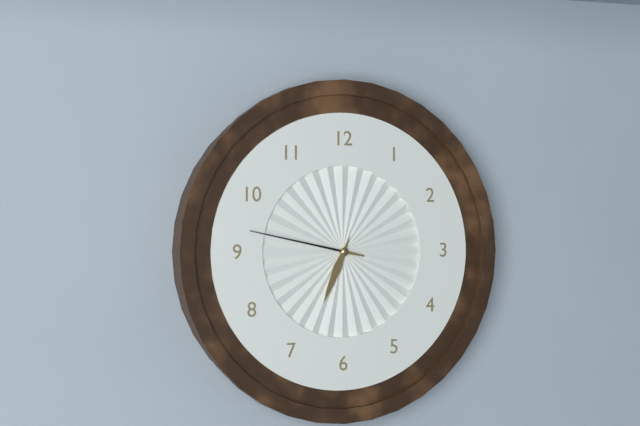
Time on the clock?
6:47
